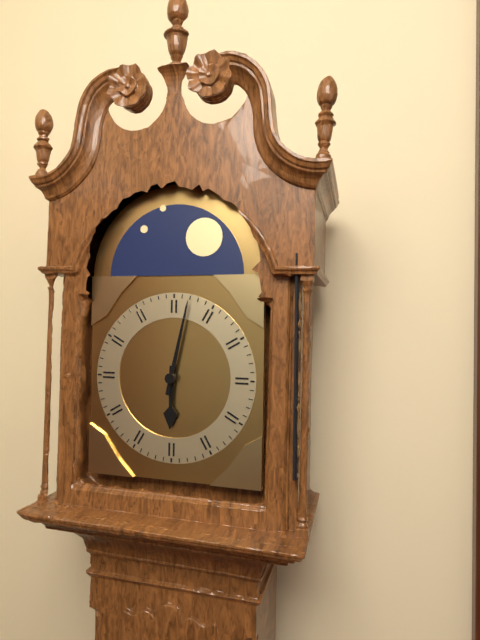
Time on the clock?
6:02
